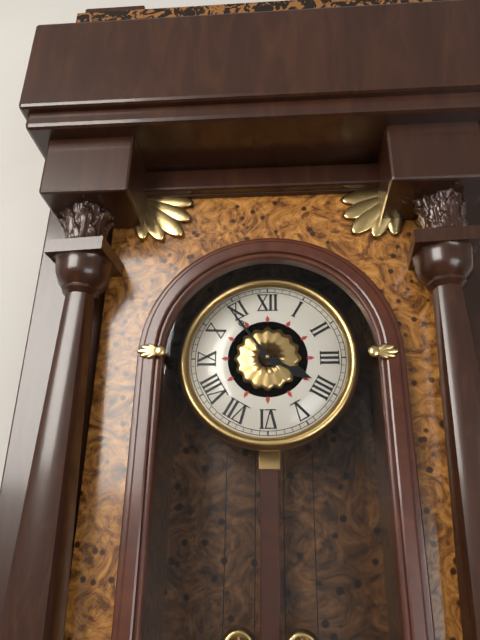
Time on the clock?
3:54
